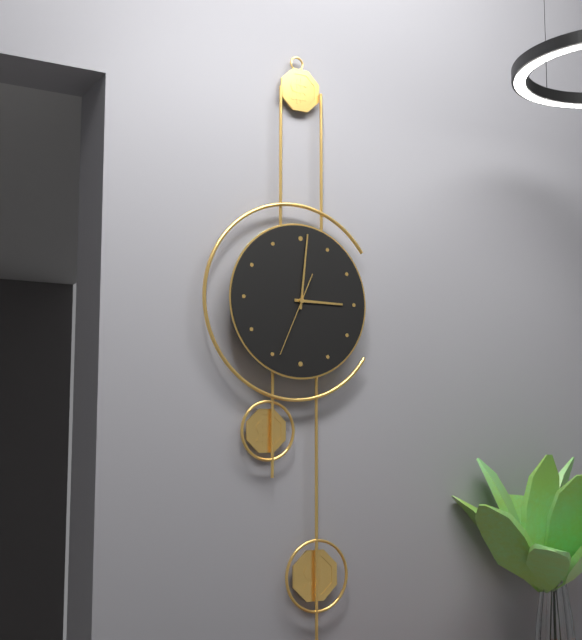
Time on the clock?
3:01:34
